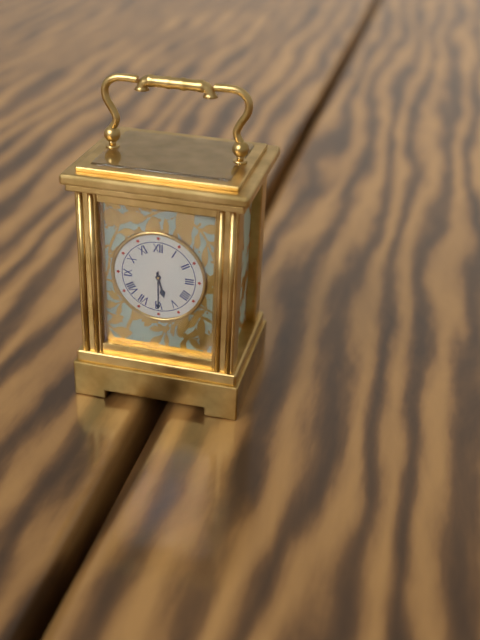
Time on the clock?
5:30
